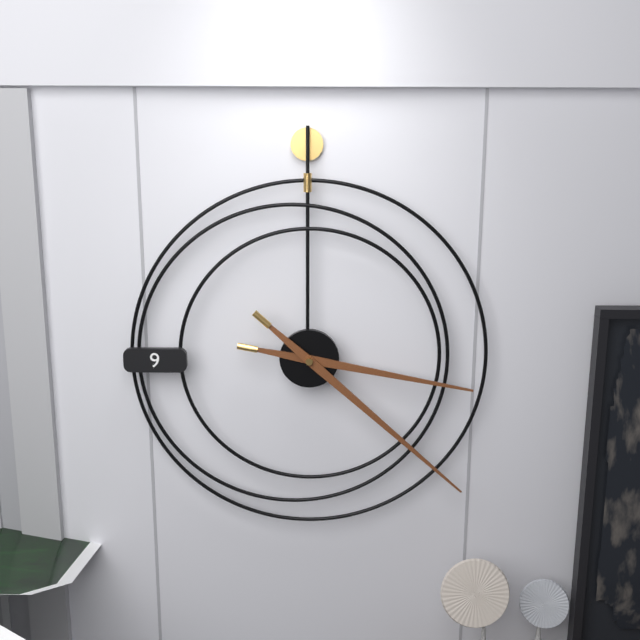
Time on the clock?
3:22
